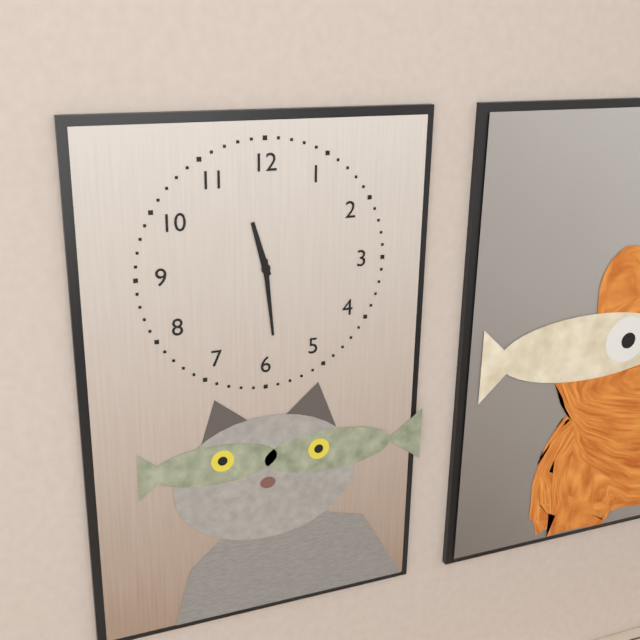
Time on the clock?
11:29
